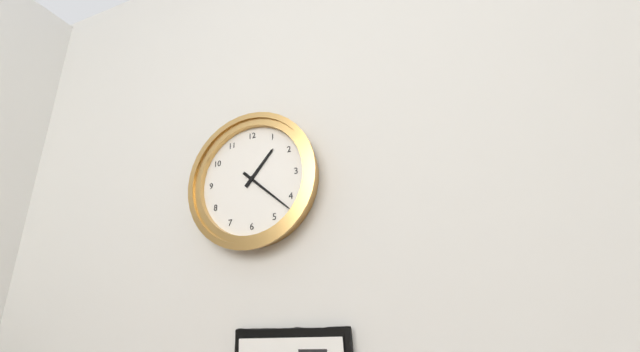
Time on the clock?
1:22
